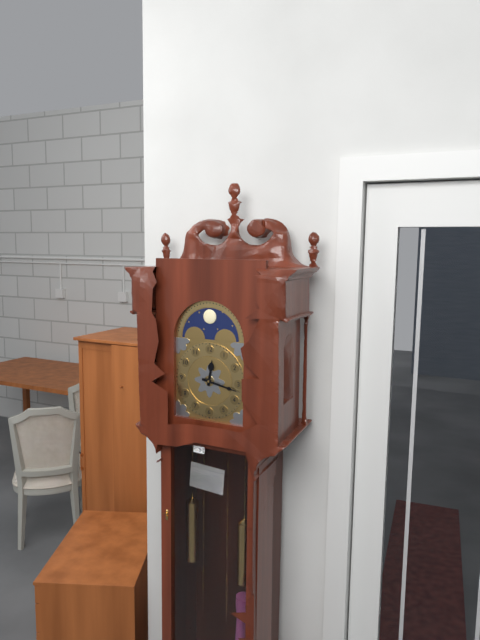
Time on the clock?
12:17
